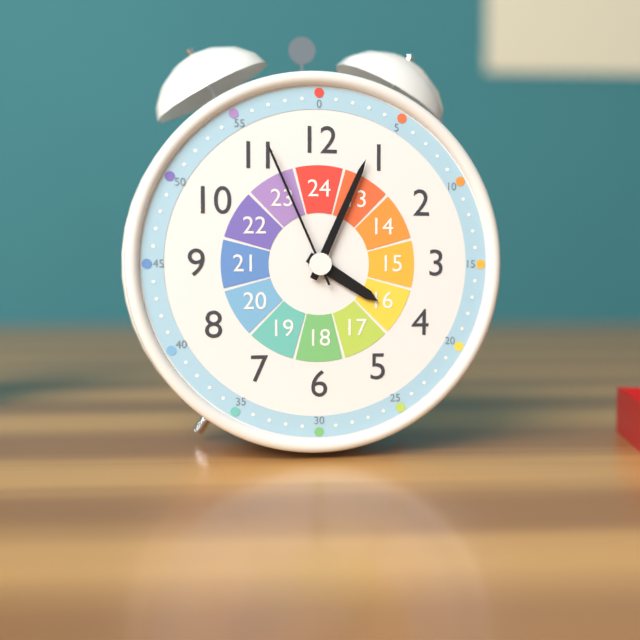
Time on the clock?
4:04:56
